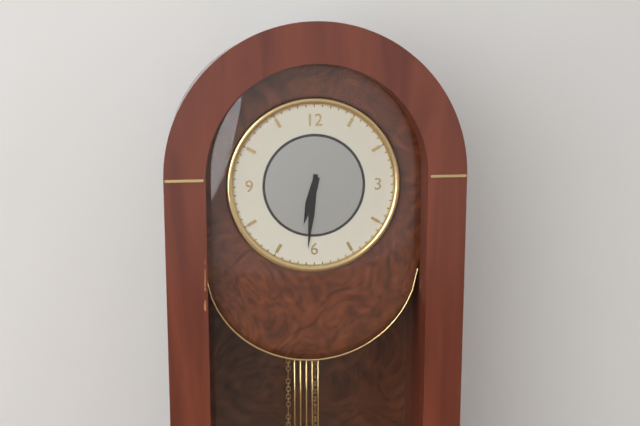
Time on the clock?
6:31
